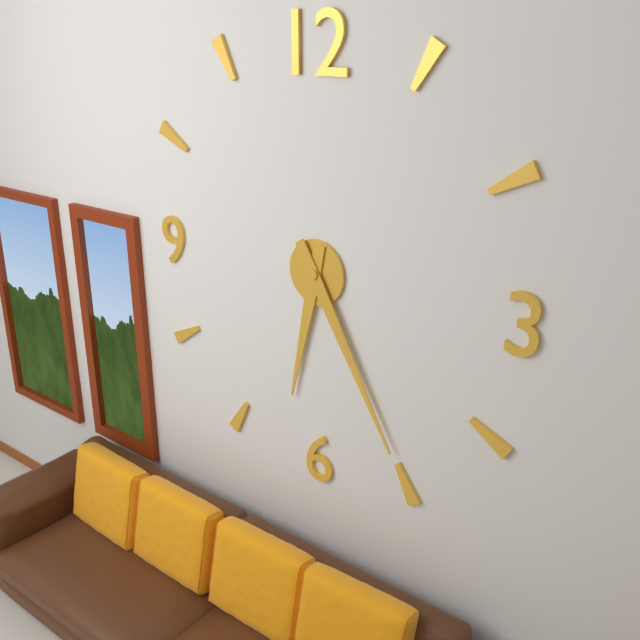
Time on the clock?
6:25
